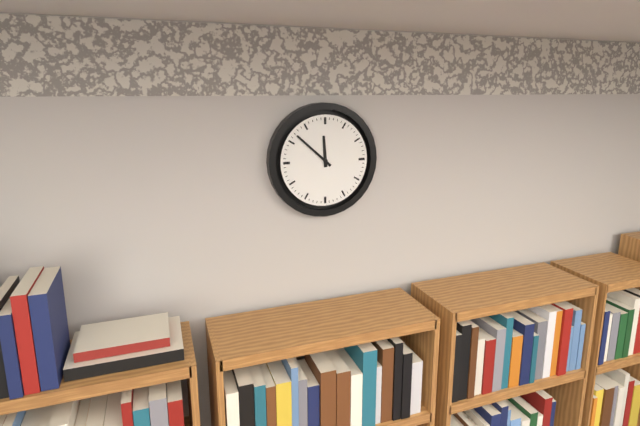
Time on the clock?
11:52
